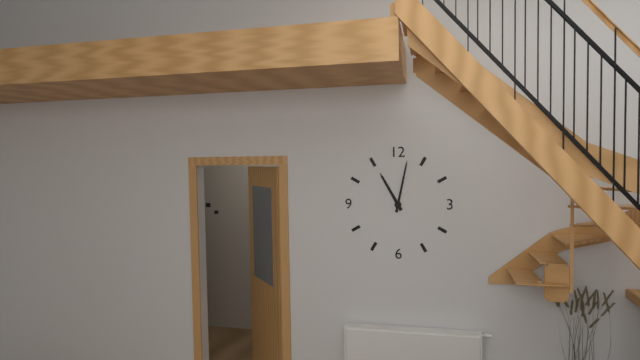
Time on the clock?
11:02
